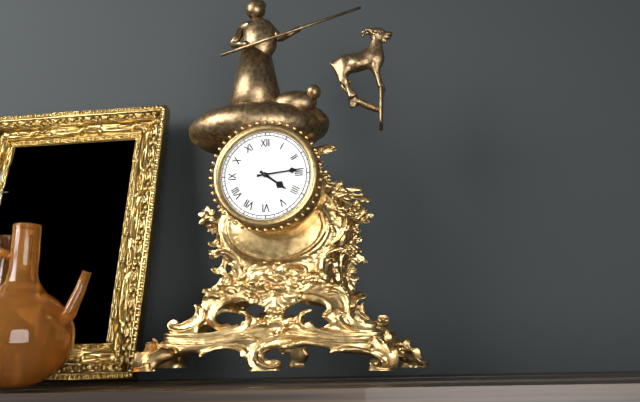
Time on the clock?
4:14
